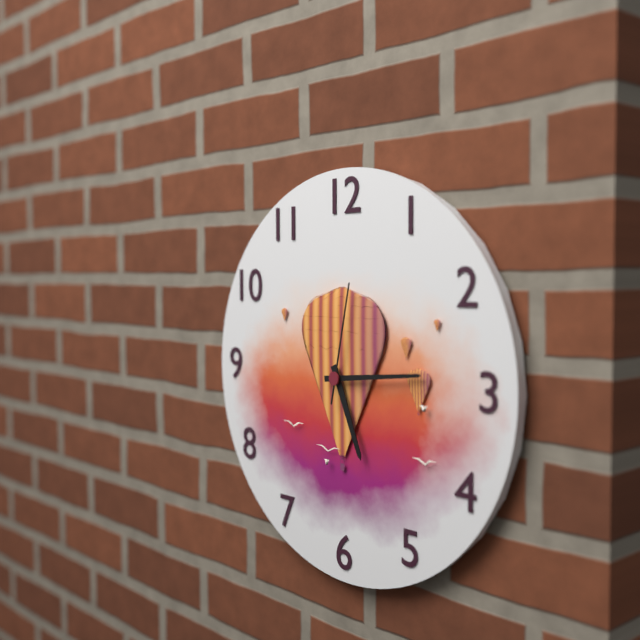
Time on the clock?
5:14:02
